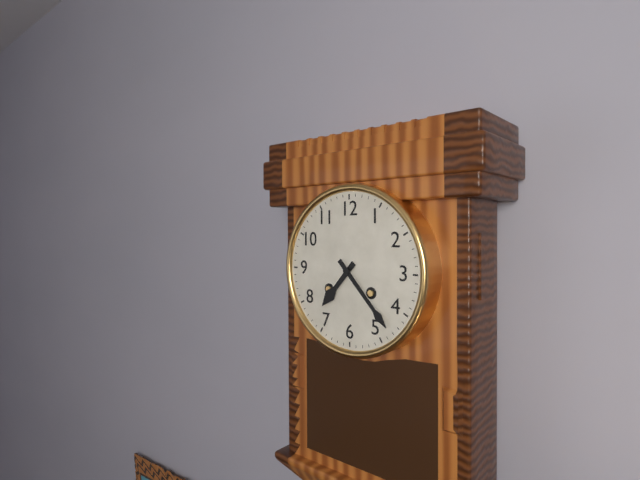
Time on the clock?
7:23
